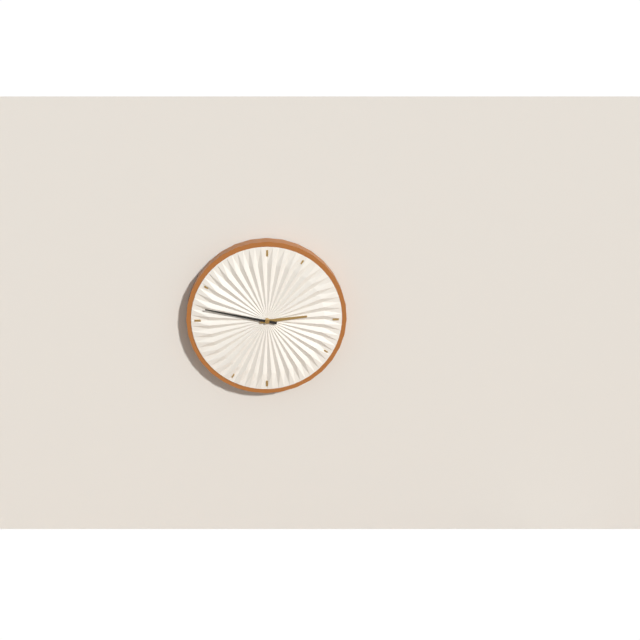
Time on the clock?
2:47
